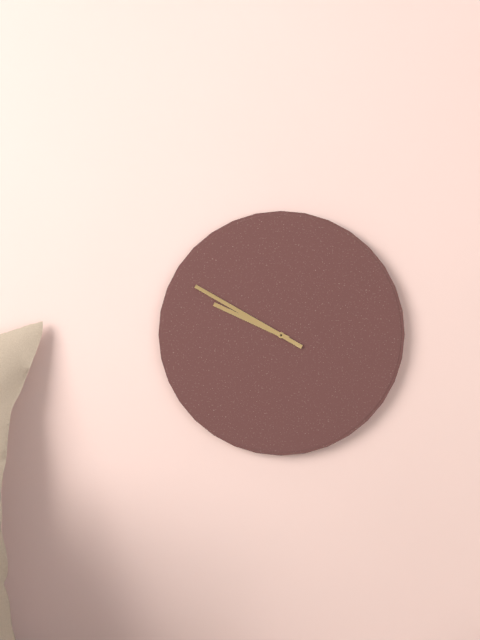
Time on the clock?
9:50
